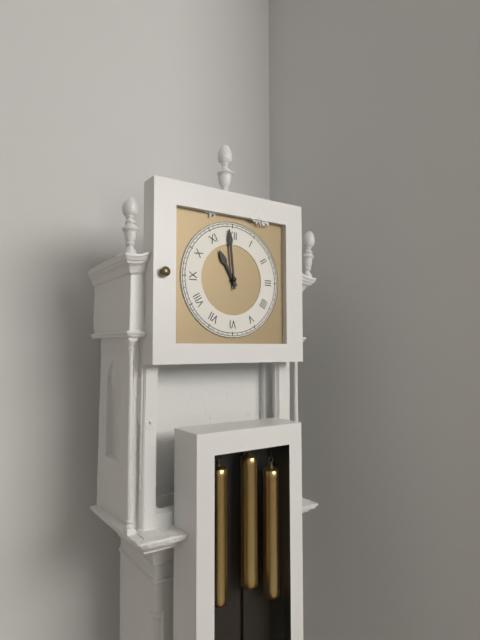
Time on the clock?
10:59
